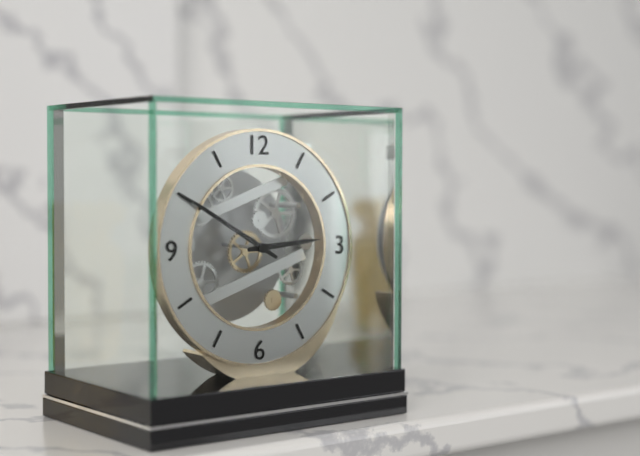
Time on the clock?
2:50
